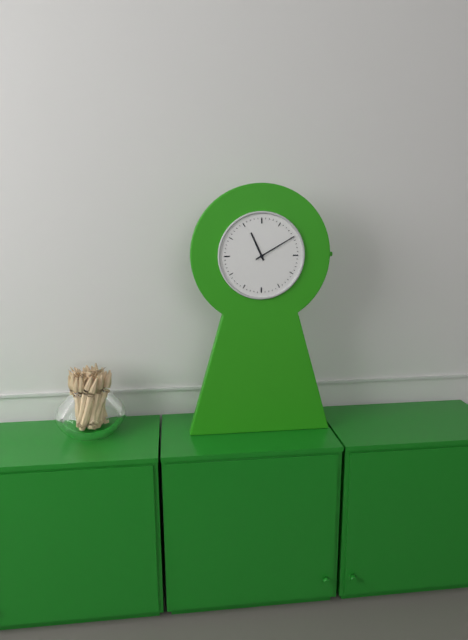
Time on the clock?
11:10
